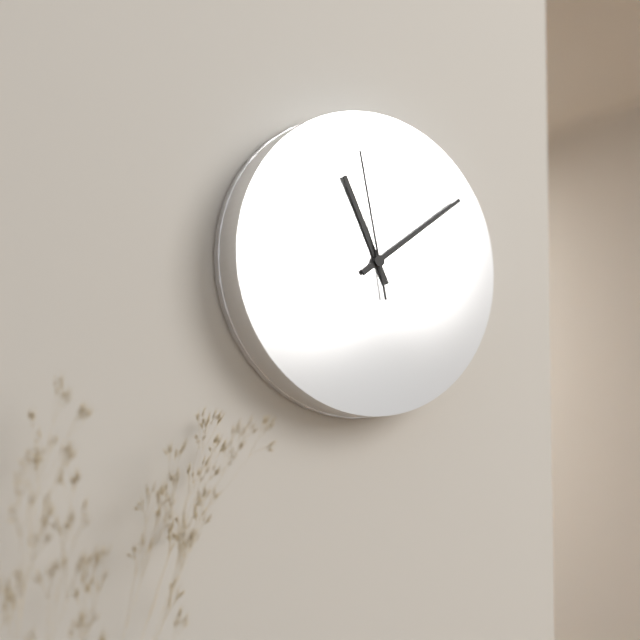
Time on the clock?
11:09:58
